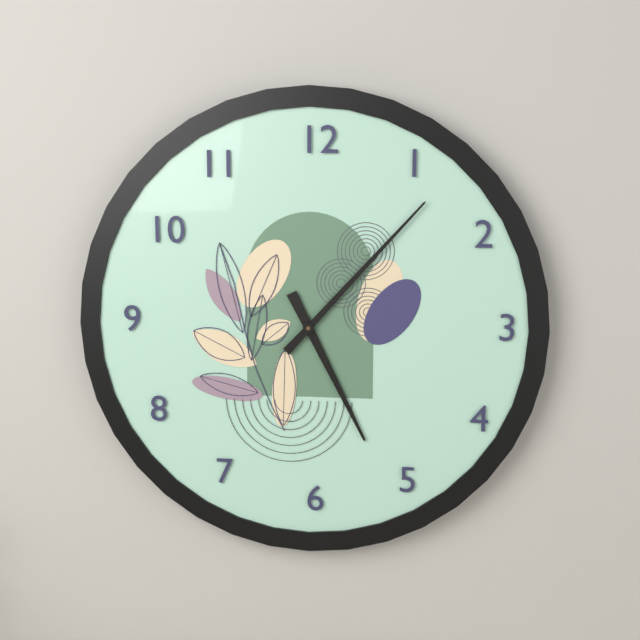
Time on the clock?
5:07
